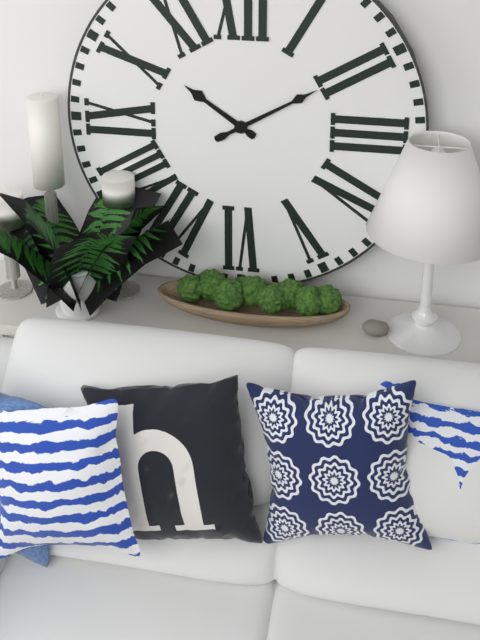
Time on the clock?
10:10
